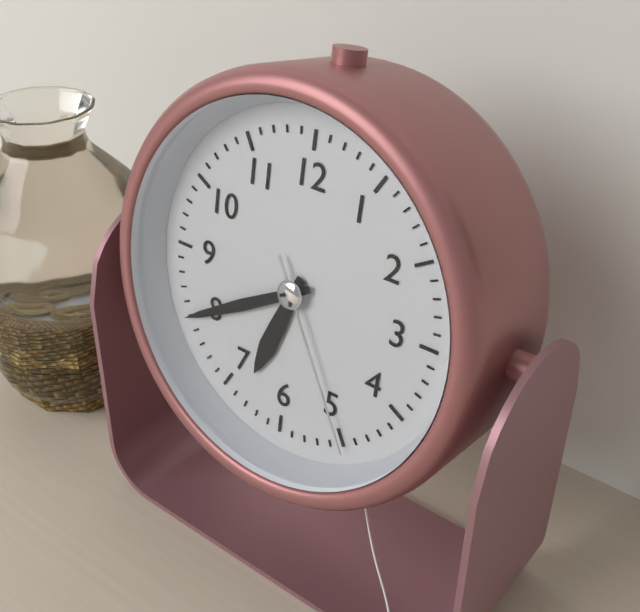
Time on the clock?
6:40:25
